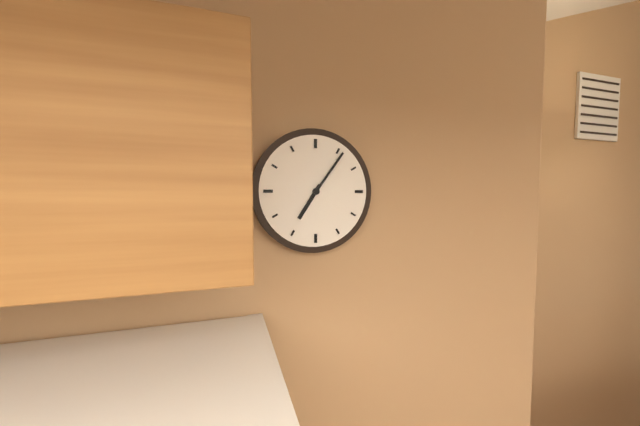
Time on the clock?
7:06
